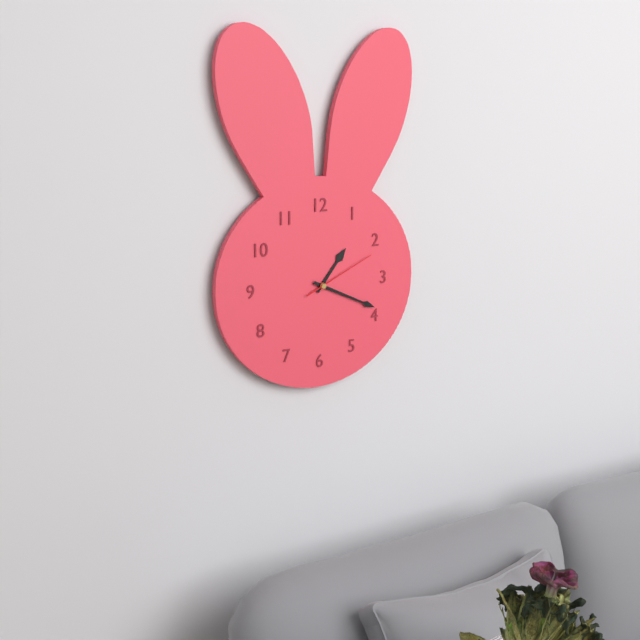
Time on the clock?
1:19:11
